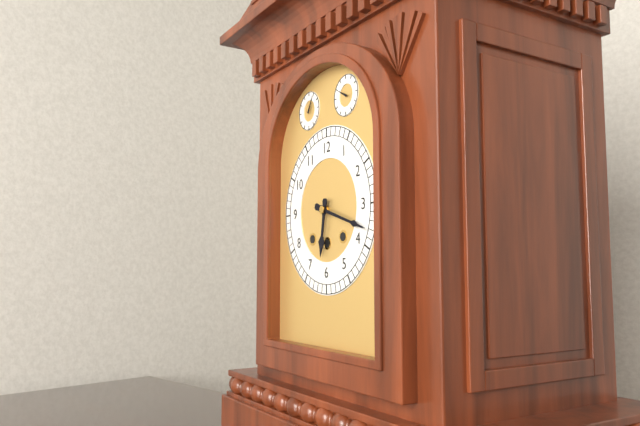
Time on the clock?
6:18
